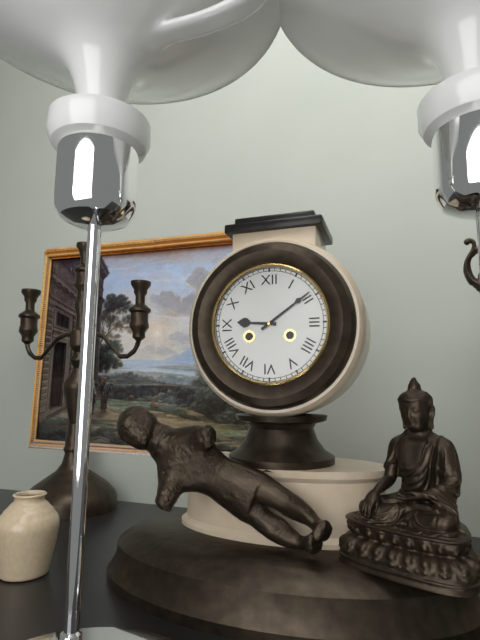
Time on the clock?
9:09
